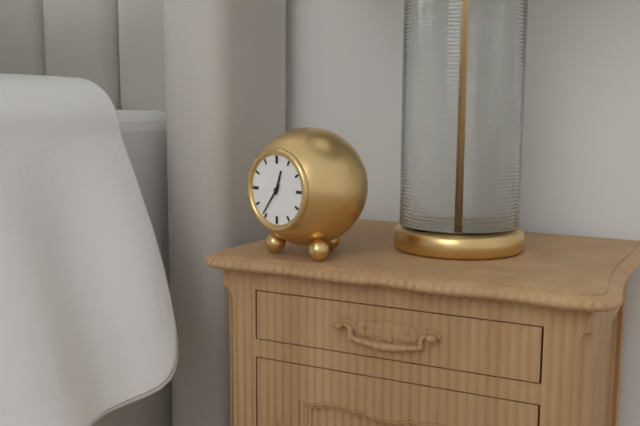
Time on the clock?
12:36
